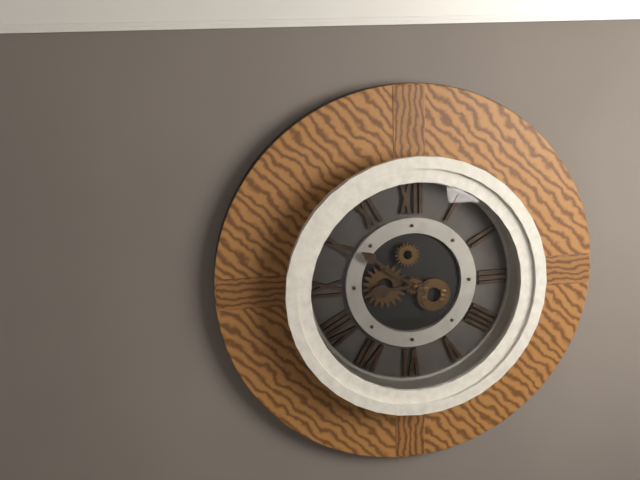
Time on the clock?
8:51
